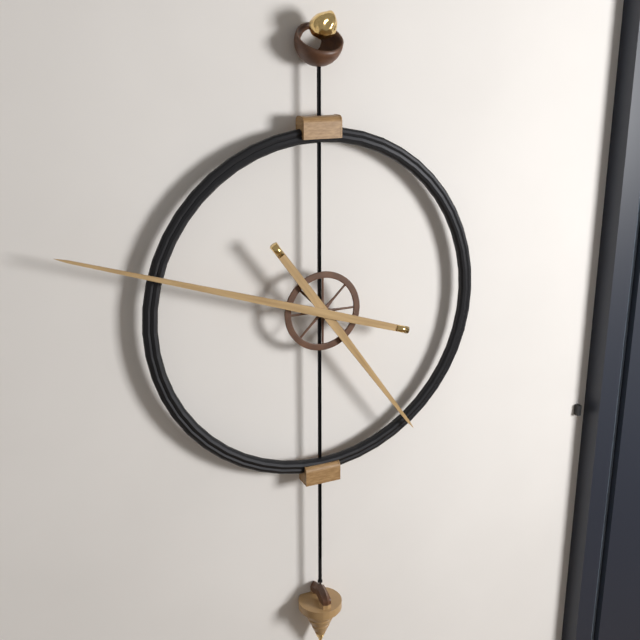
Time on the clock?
4:48
